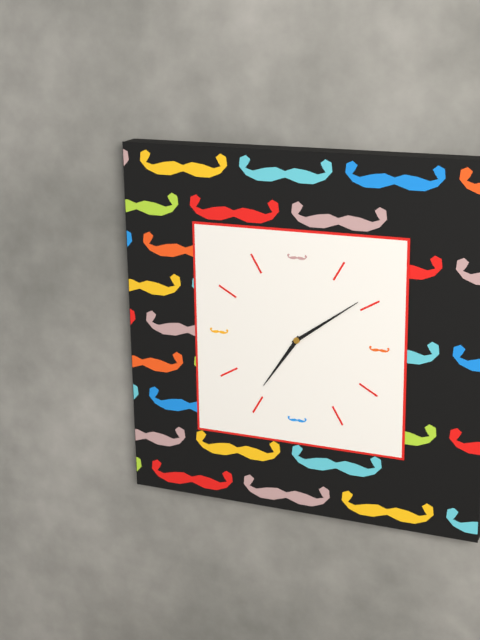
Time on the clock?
7:09
